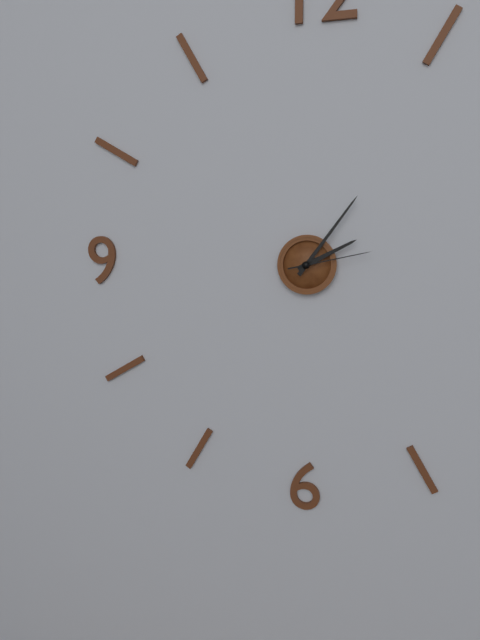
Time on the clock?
2:06:13
